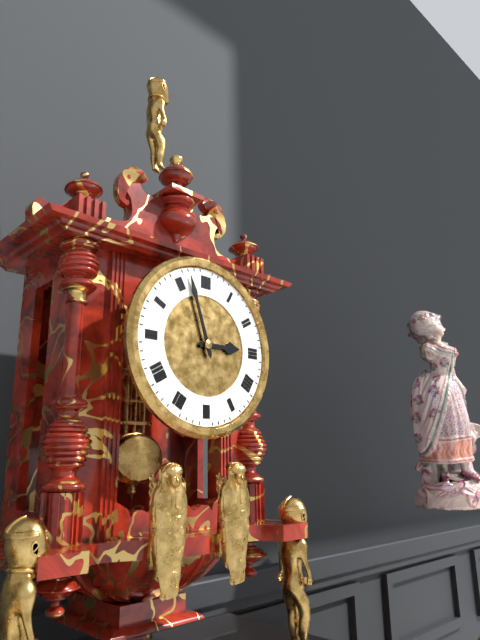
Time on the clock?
2:57
